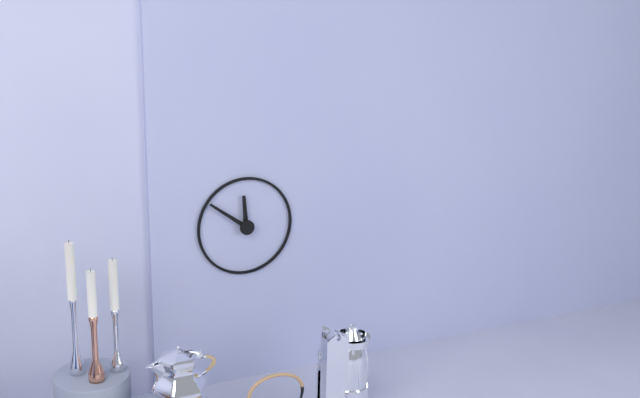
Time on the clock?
11:51
